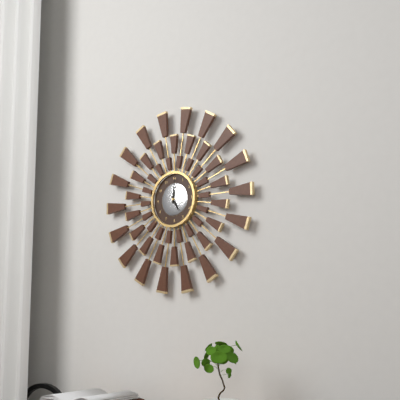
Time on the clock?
5:01
